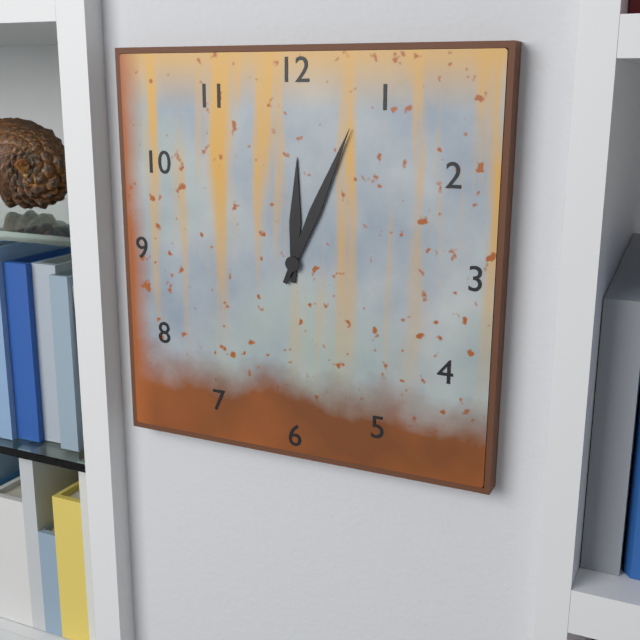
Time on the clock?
12:04
